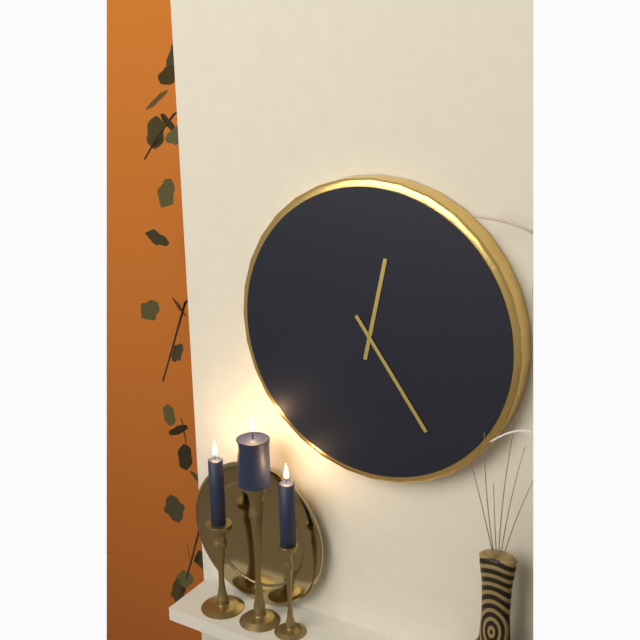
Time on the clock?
12:24
